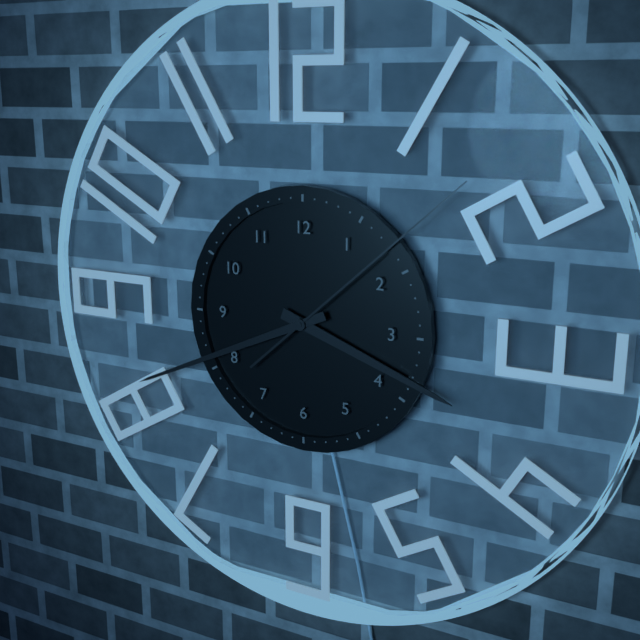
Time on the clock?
3:41:08
